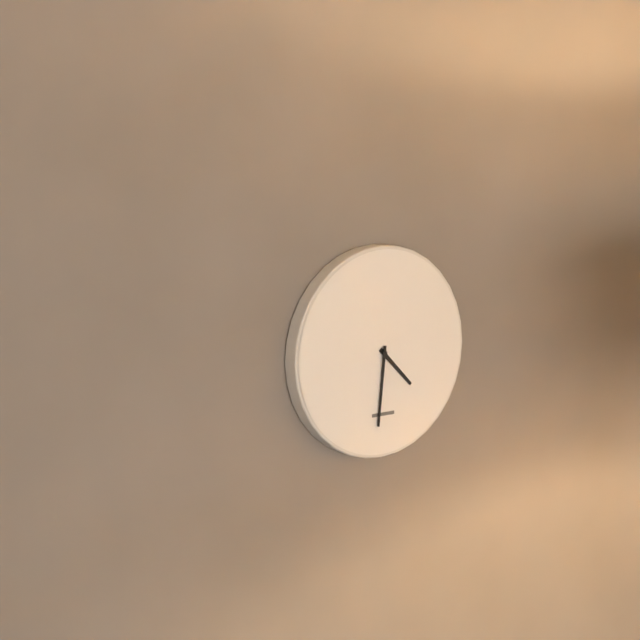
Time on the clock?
4:31
